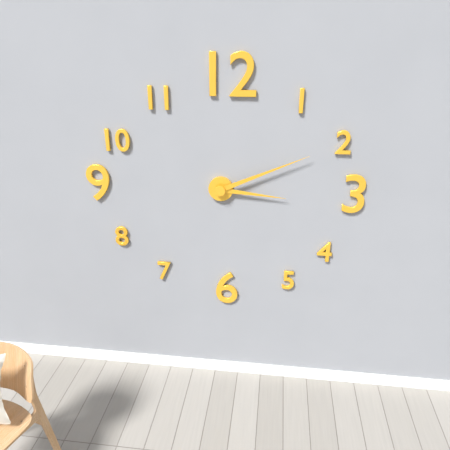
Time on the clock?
3:11
